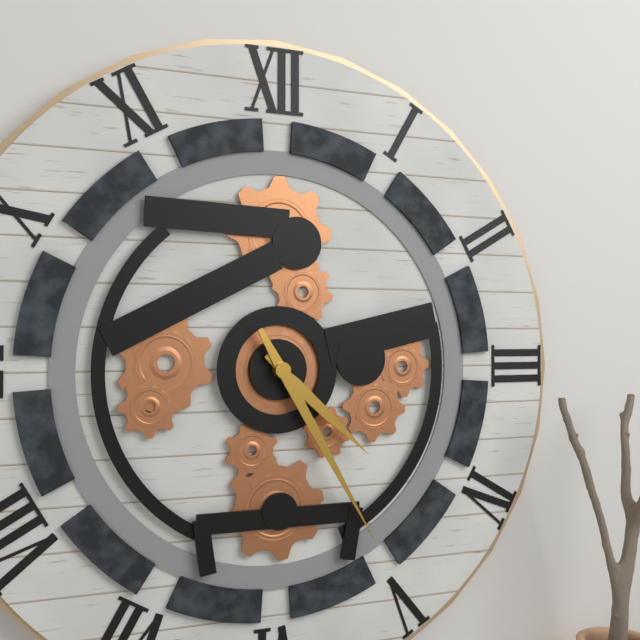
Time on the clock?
4:25
